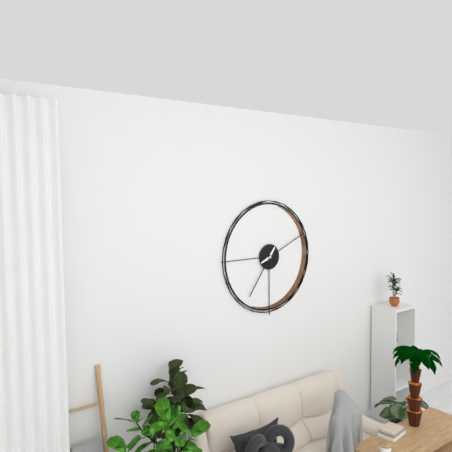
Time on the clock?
7:11
